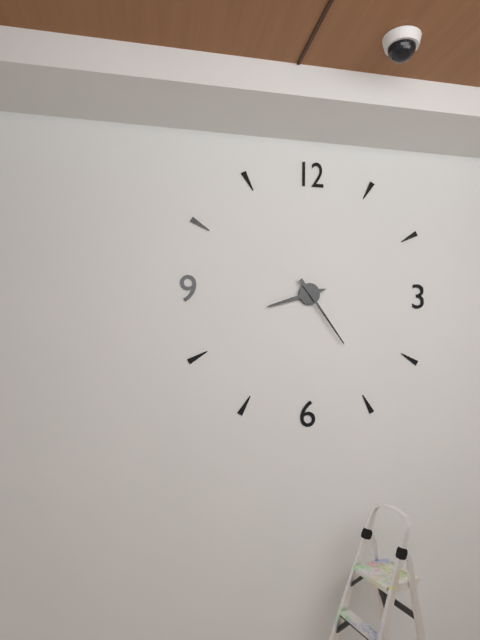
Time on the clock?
8:24
